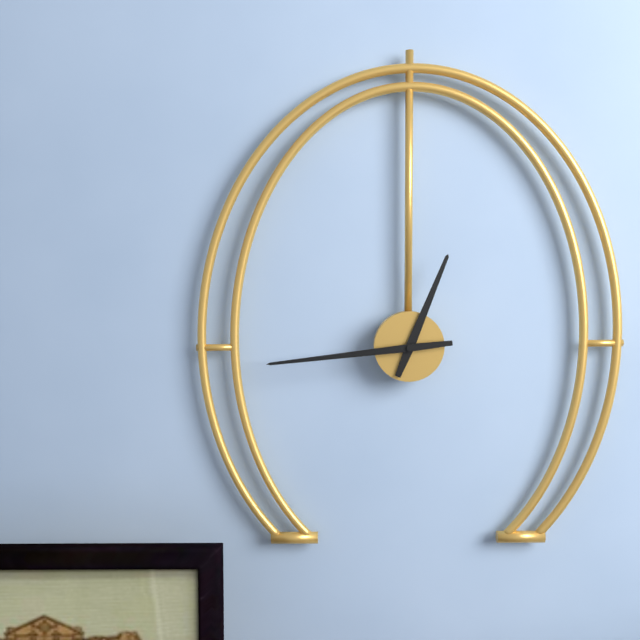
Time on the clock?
12:44
